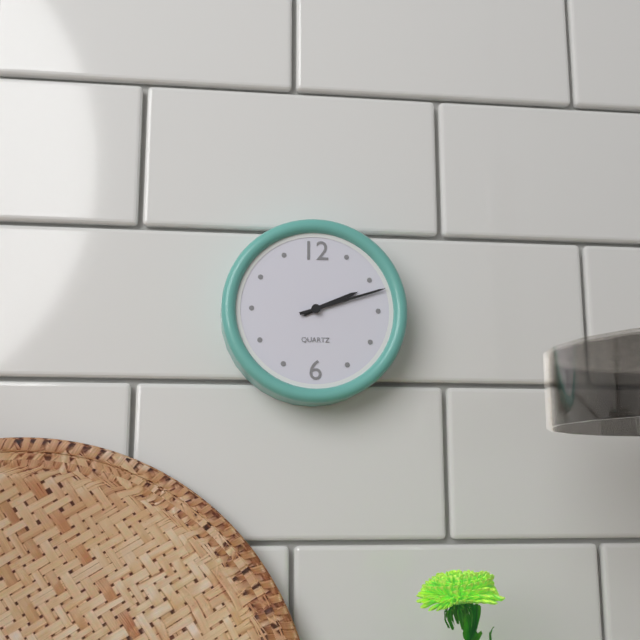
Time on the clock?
2:12
